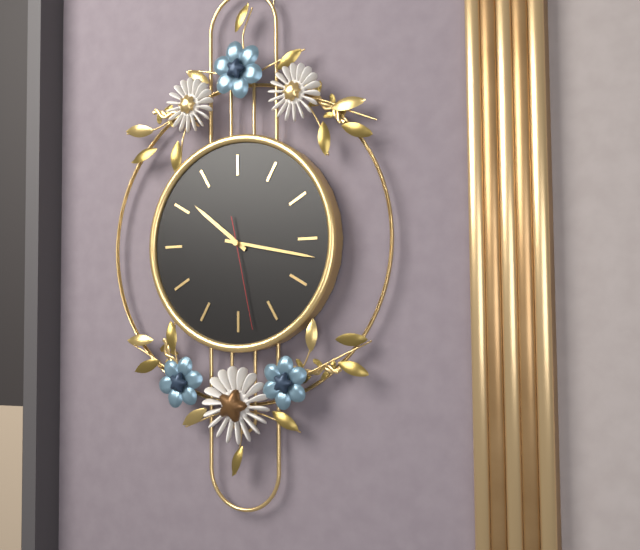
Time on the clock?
10:17:28
